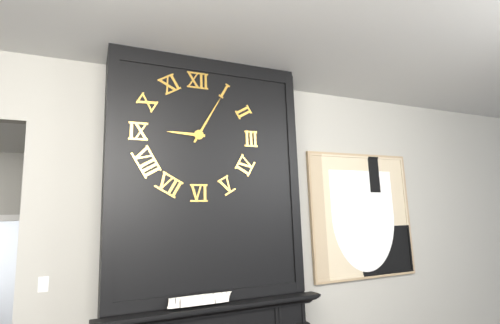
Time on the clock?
9:05
